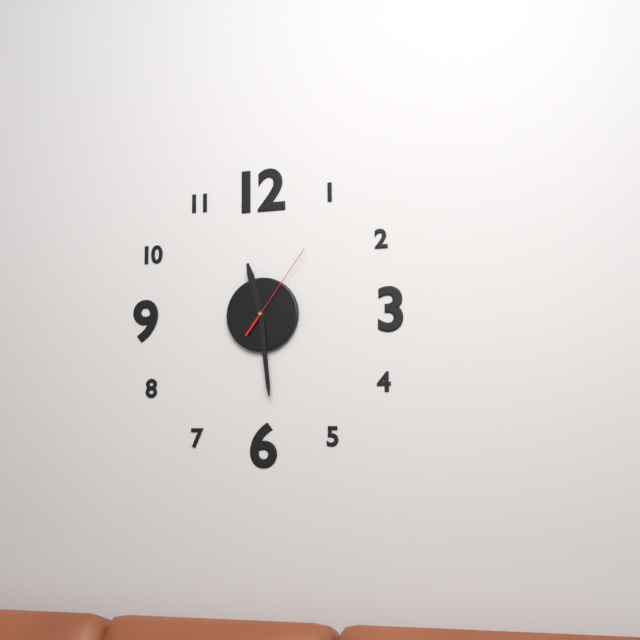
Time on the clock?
11:29:06
